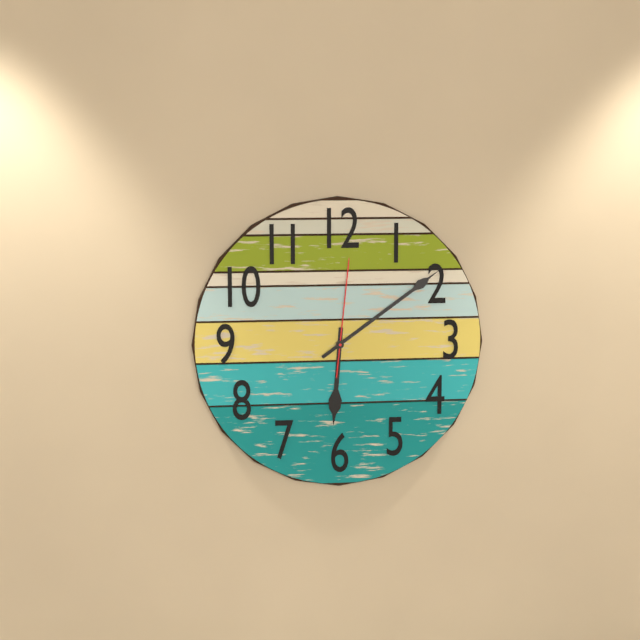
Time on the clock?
6:09:01
